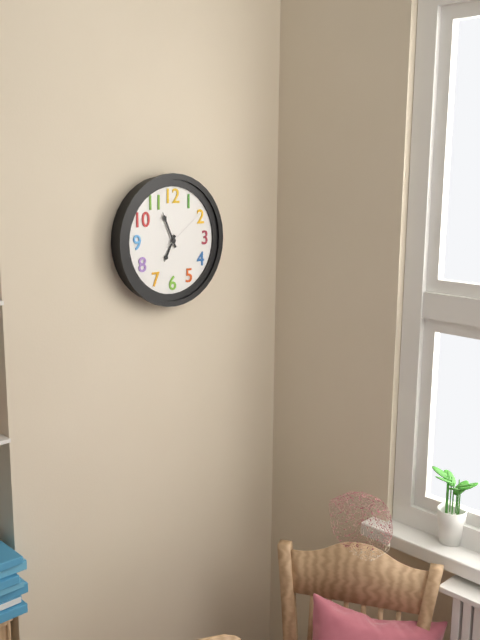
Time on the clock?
6:56:09
